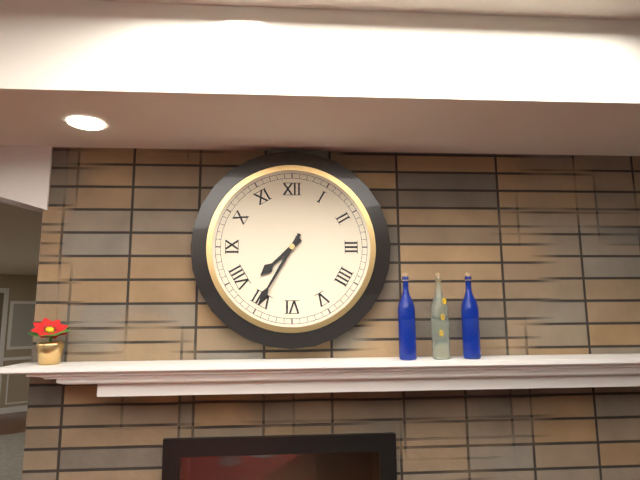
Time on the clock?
7:35
